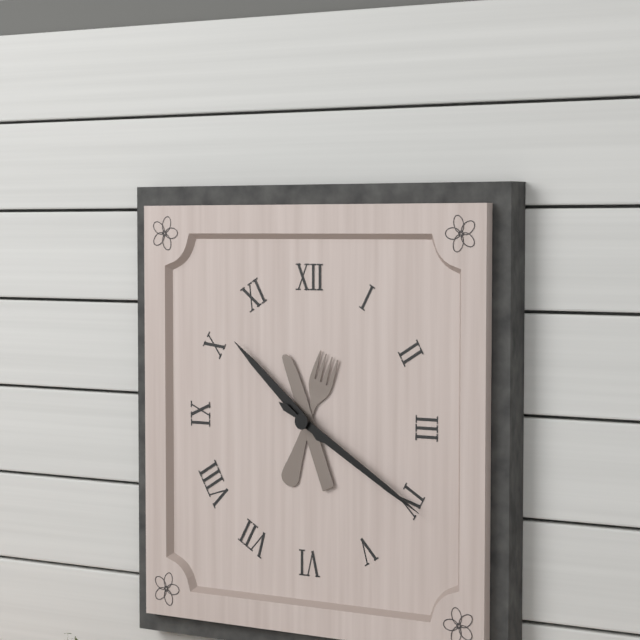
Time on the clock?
10:20
